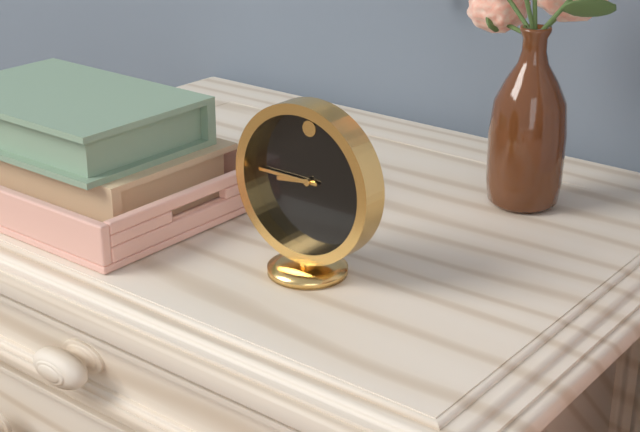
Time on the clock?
8:45
